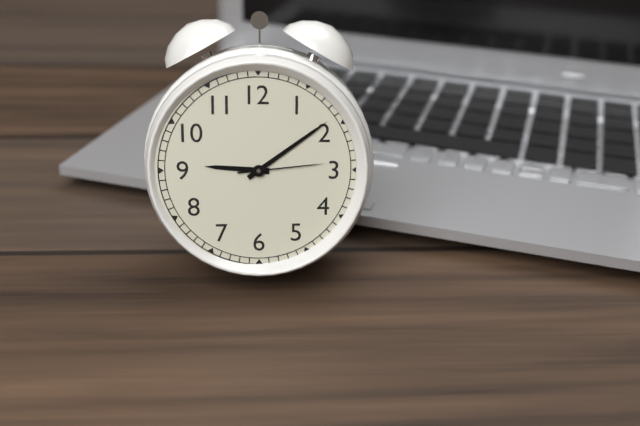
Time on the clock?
9:09:14
